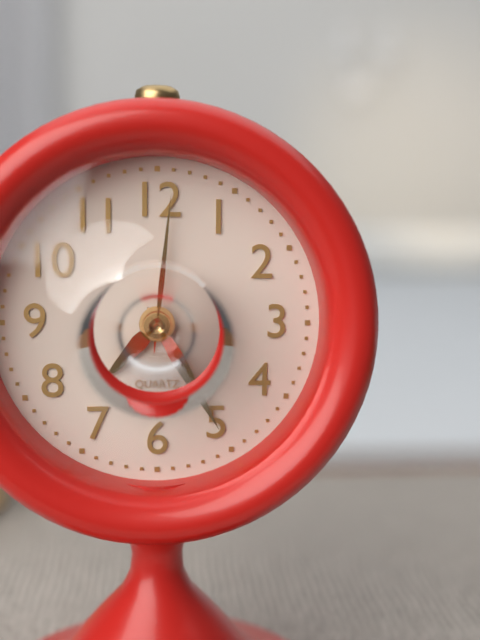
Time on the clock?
7:25:01
